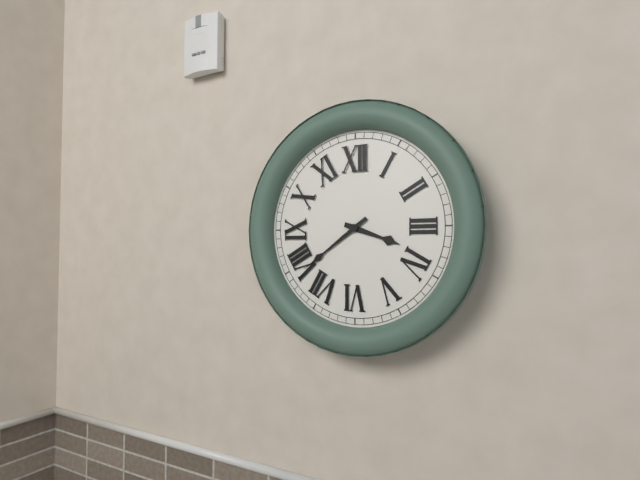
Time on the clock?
3:39
